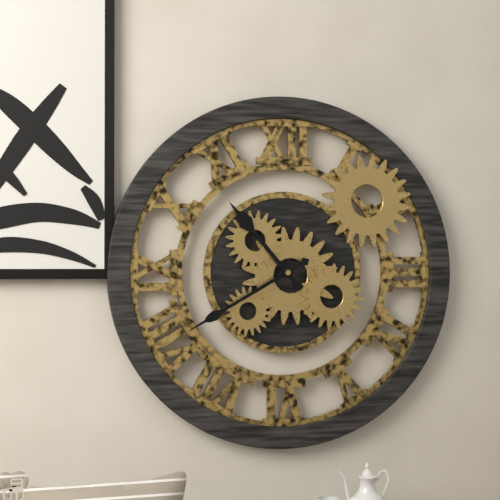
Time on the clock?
10:40
